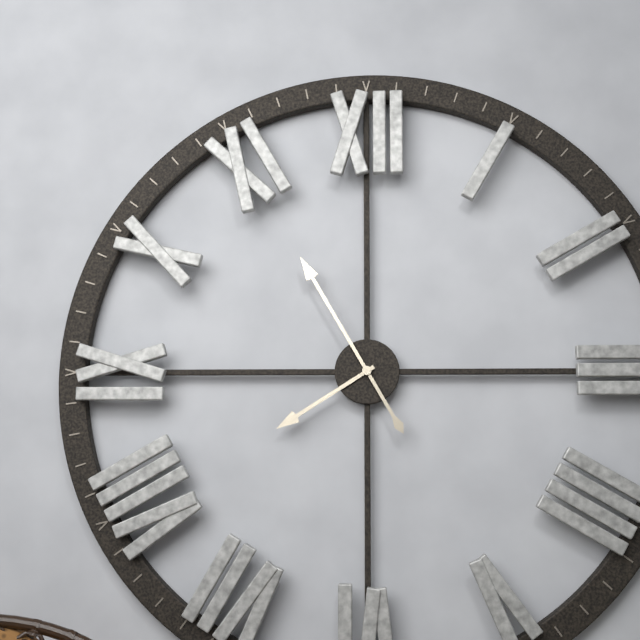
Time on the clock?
7:55
